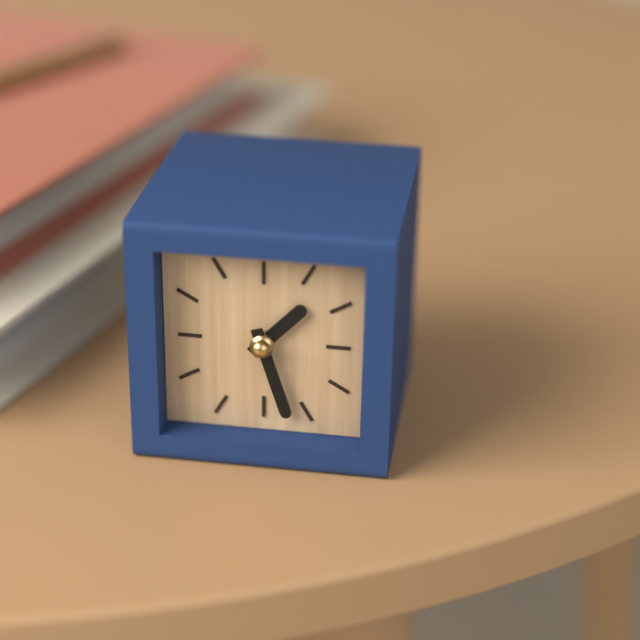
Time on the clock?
1:27
